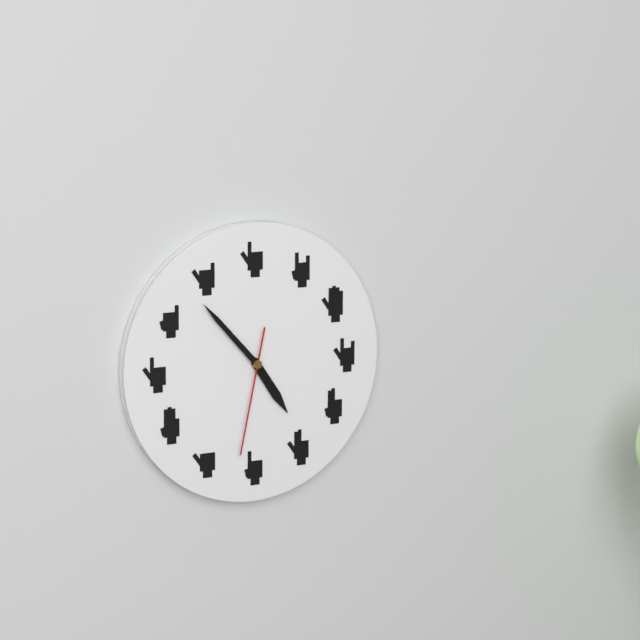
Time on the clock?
4:53:32
